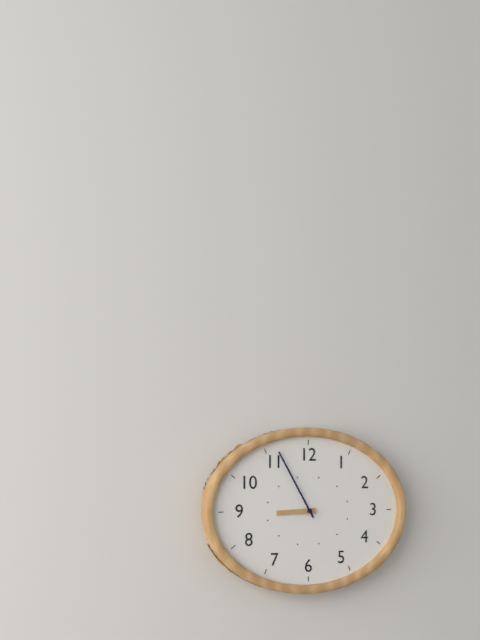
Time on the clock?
8:55
